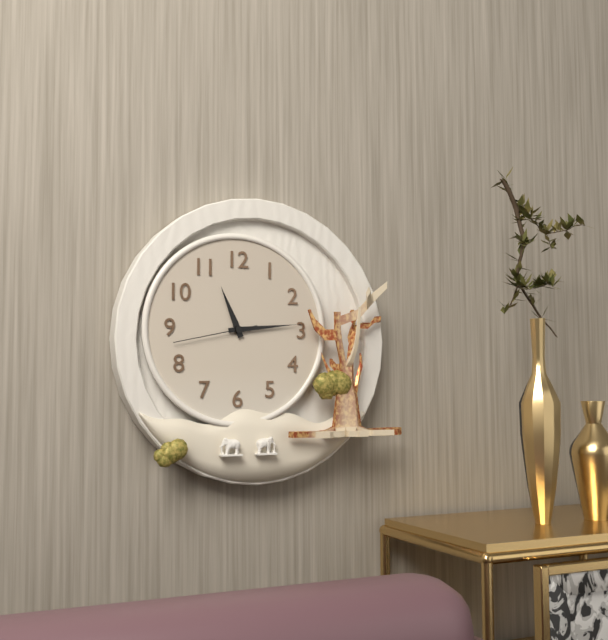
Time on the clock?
11:14:43
